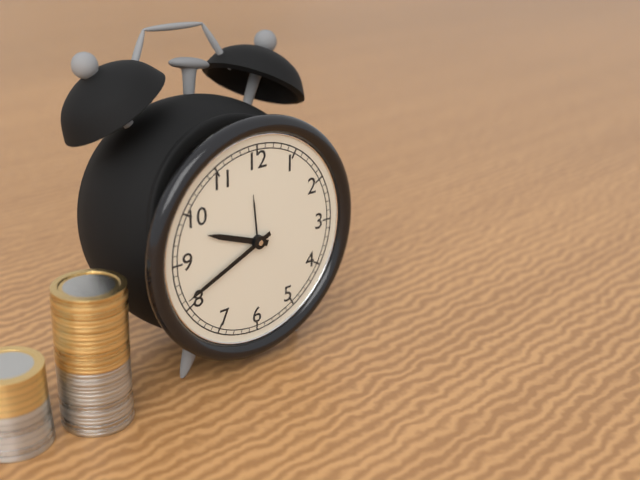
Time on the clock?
9:41
